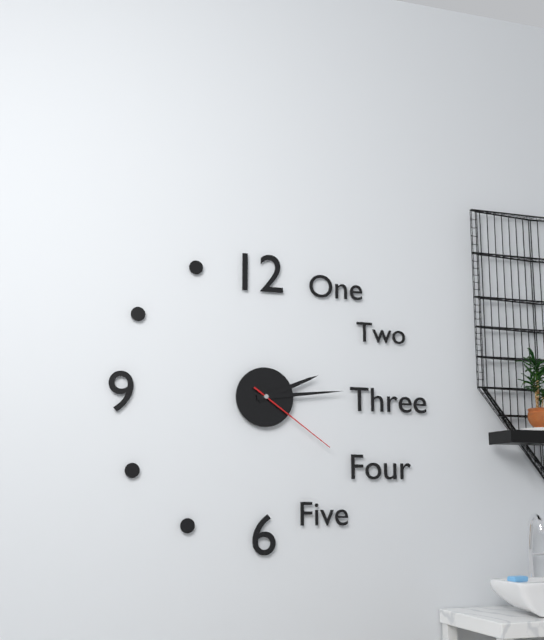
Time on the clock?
2:14:21
